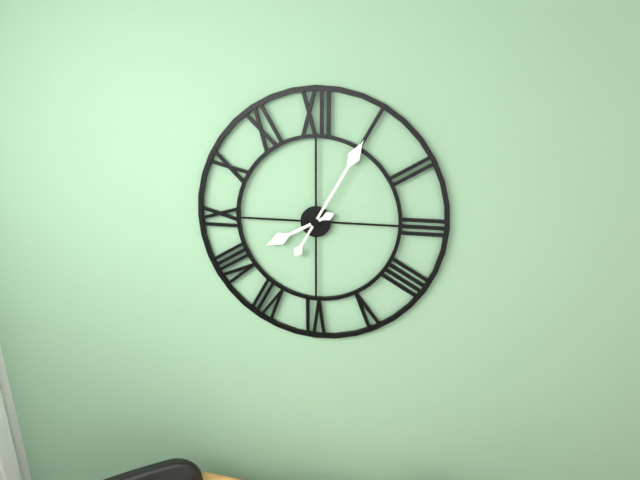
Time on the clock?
8:05
